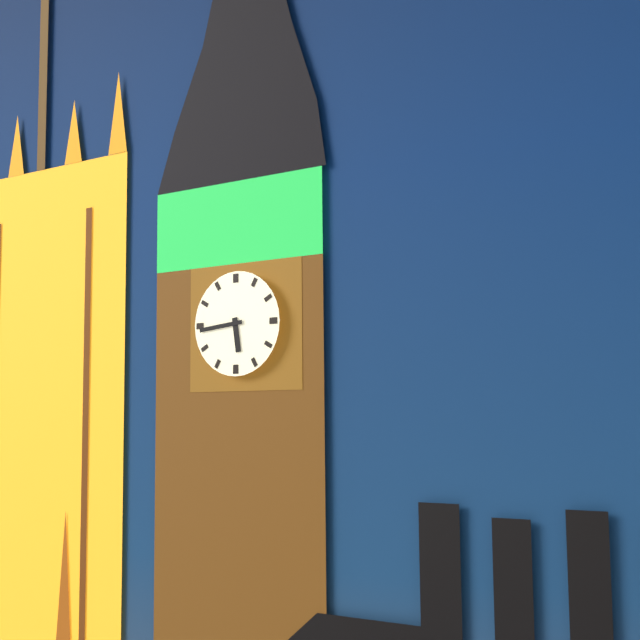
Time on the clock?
5:44
